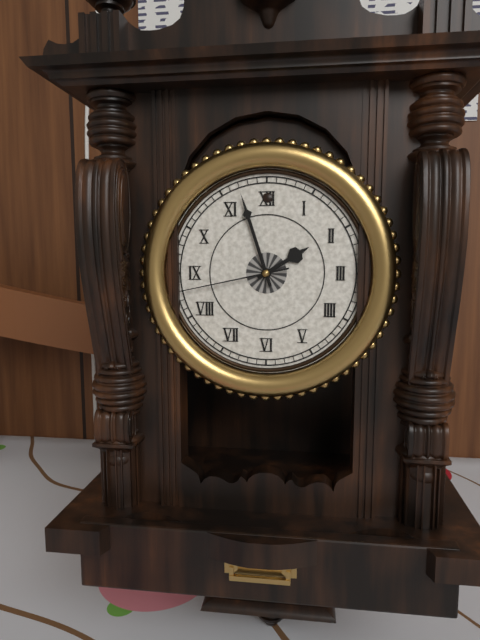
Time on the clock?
1:57:43
